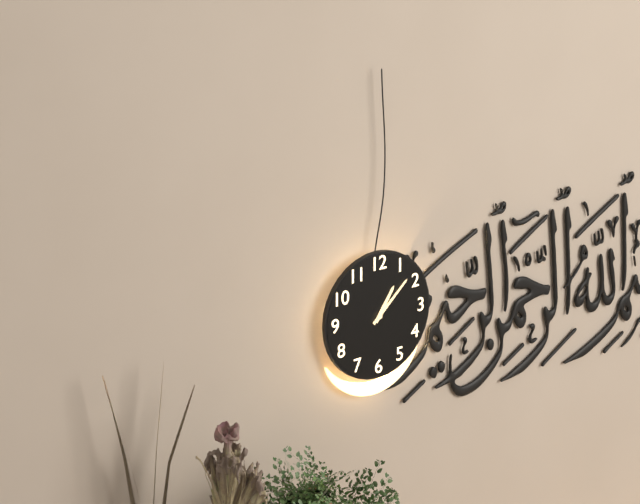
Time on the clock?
1:08
